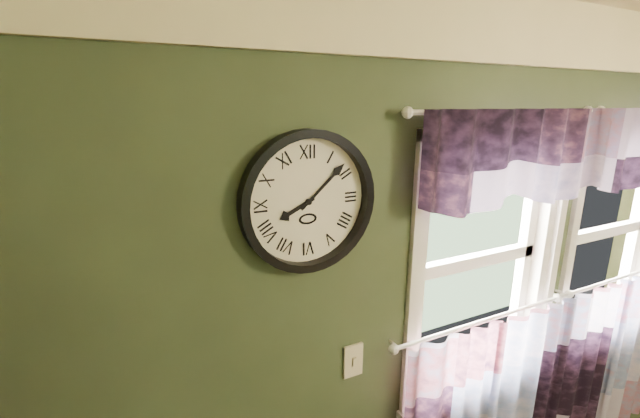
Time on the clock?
8:08
